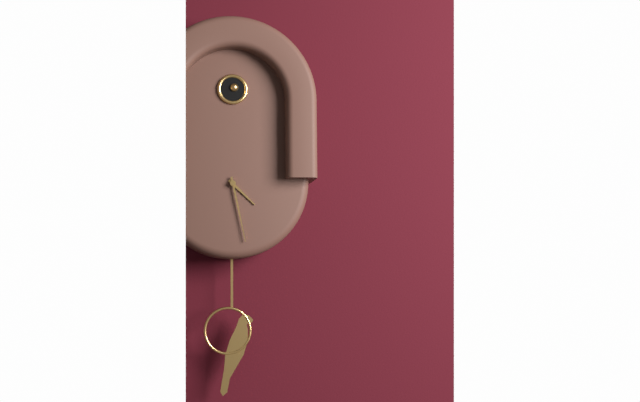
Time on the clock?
4:28
